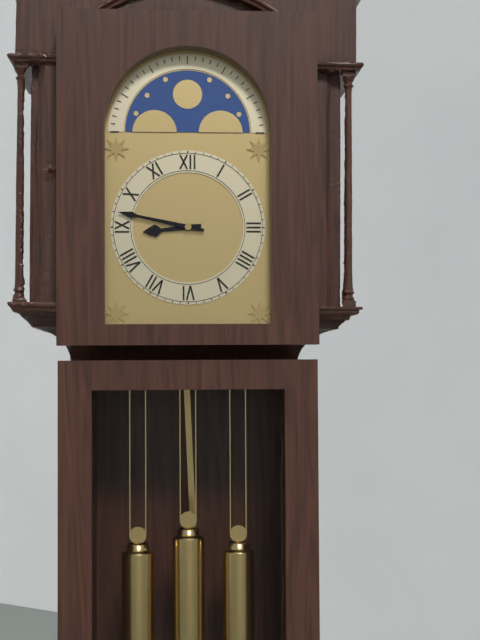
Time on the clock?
8:47
